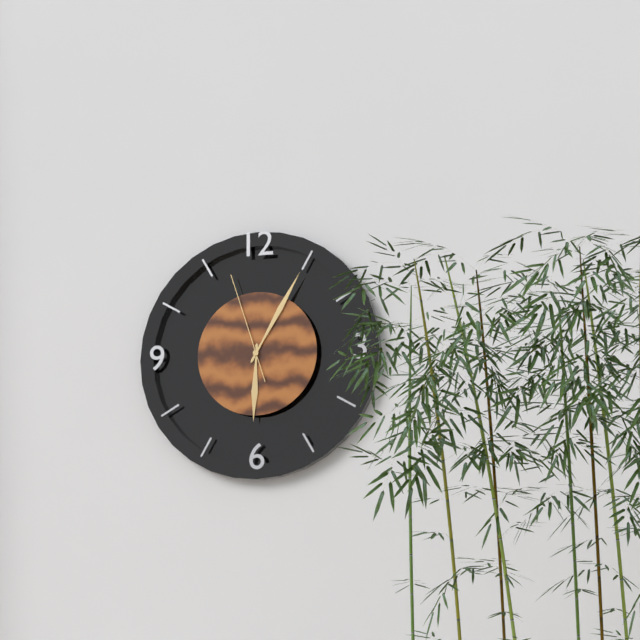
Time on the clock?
6:05:57
